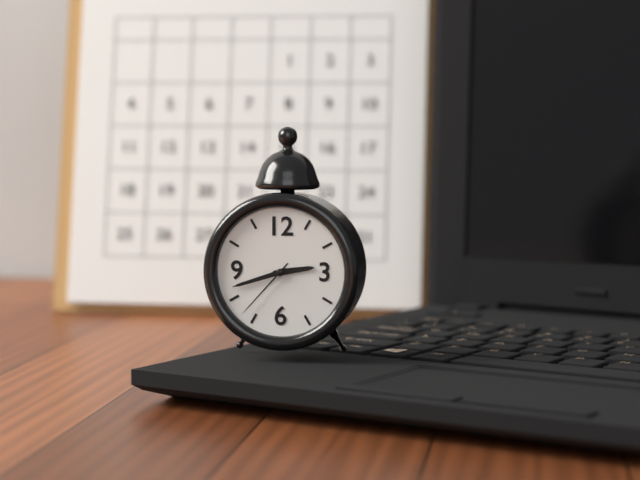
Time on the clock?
2:42:37
